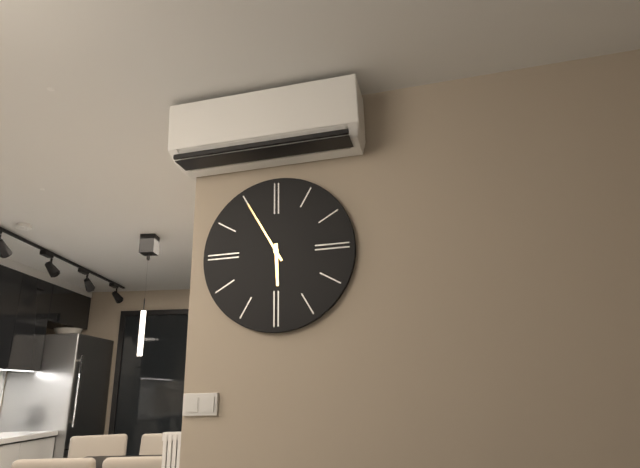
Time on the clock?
5:55
